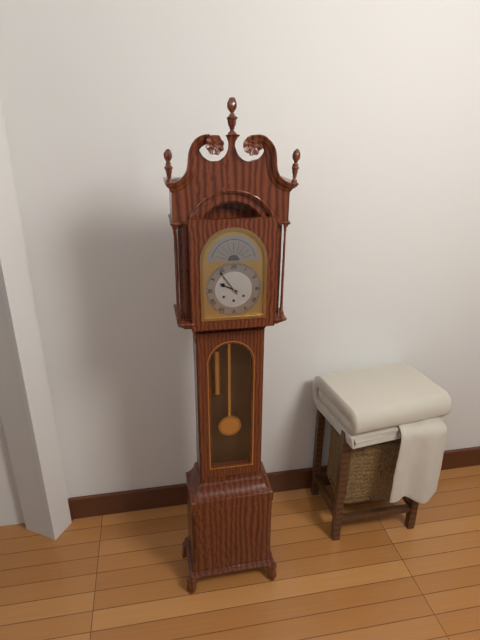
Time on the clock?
9:54
